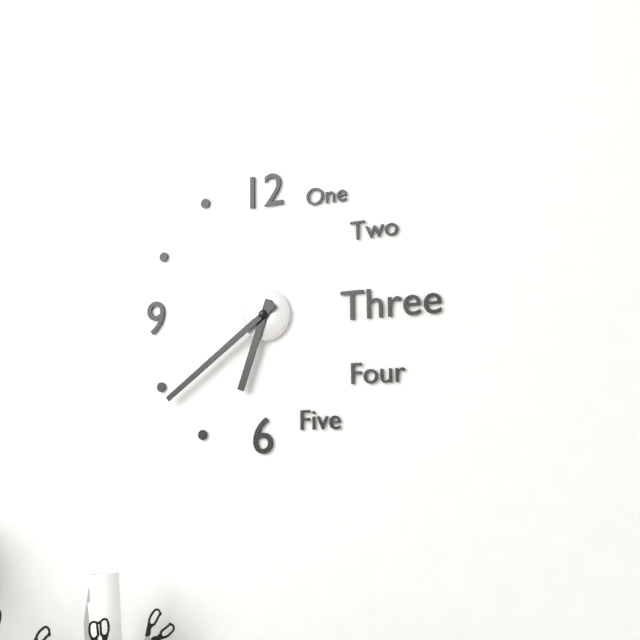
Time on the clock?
6:39
